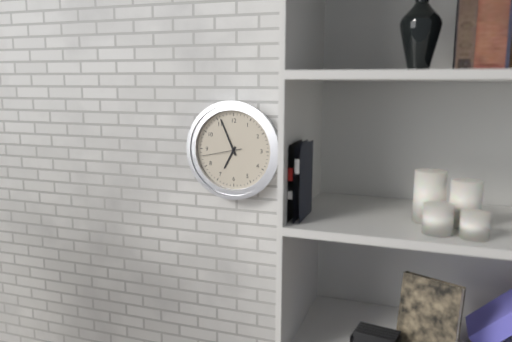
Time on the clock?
6:56
